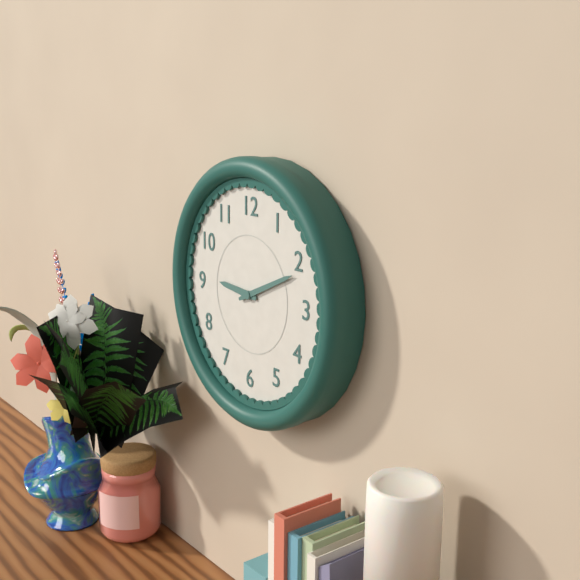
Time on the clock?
9:11
